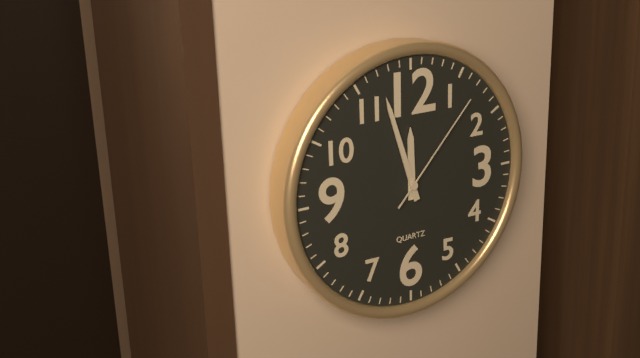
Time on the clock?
11:57:07
